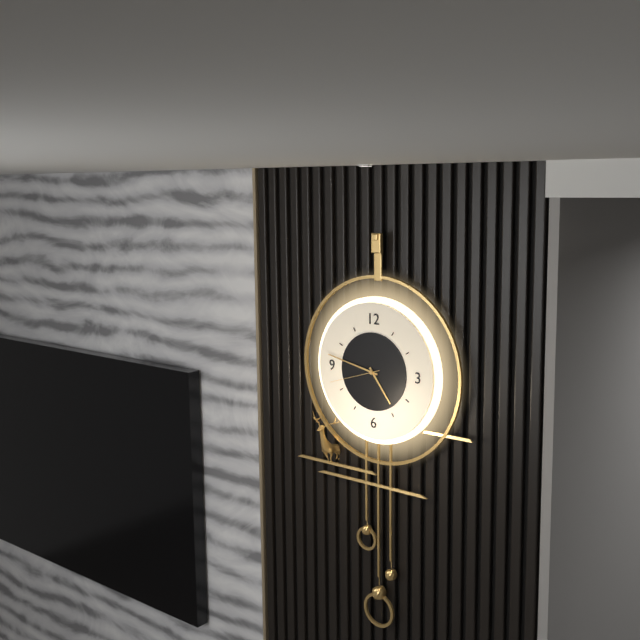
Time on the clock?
4:47:42
